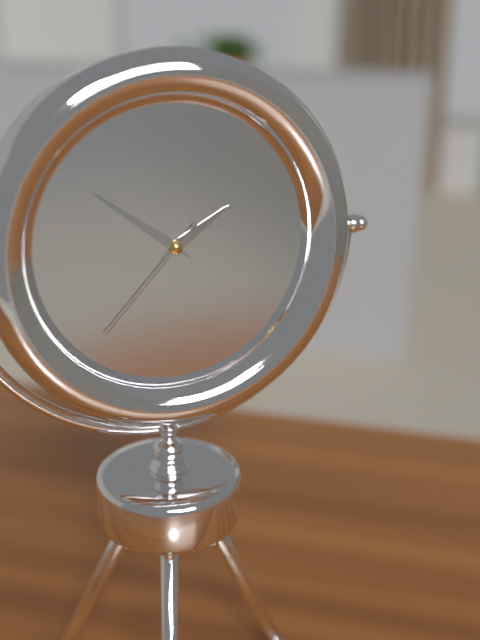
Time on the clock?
1:51:37
